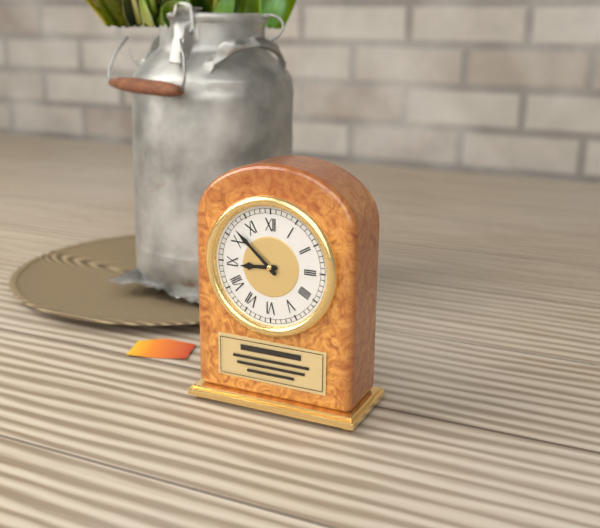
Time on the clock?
8:52
